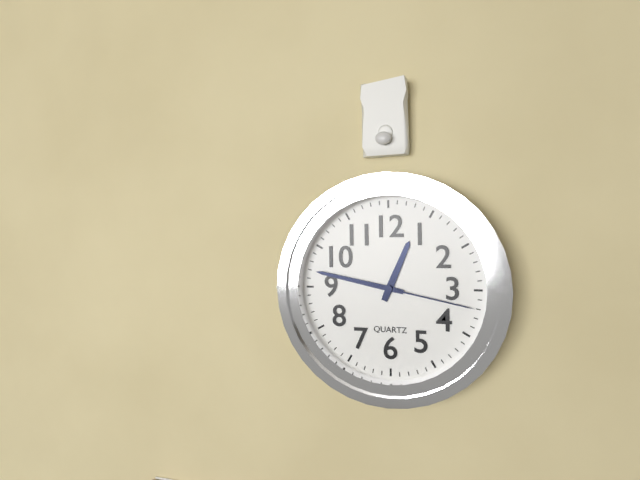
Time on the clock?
12:47:17
